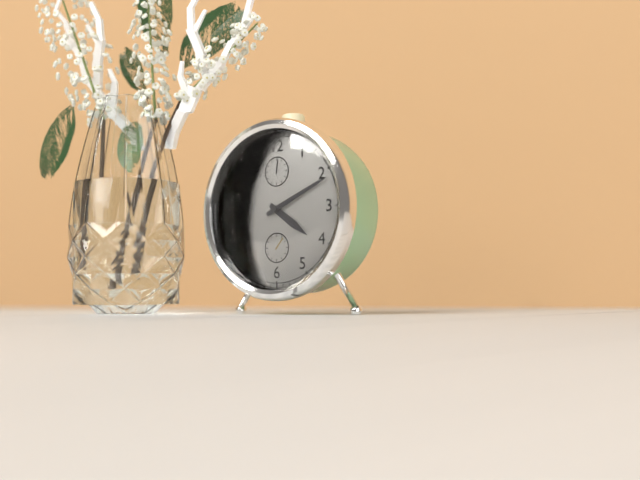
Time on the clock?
4:11
